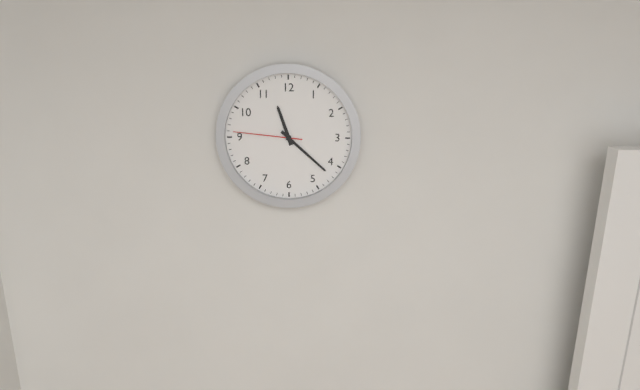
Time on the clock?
11:22:46
